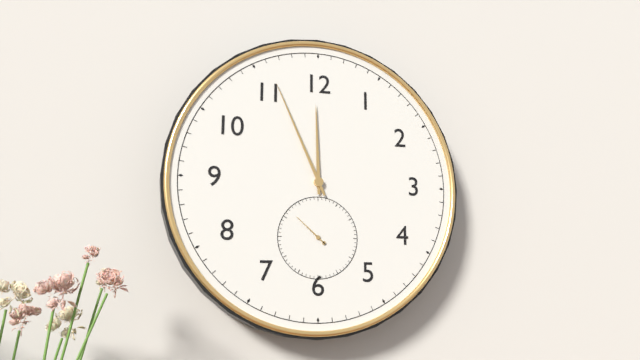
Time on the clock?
11:56
